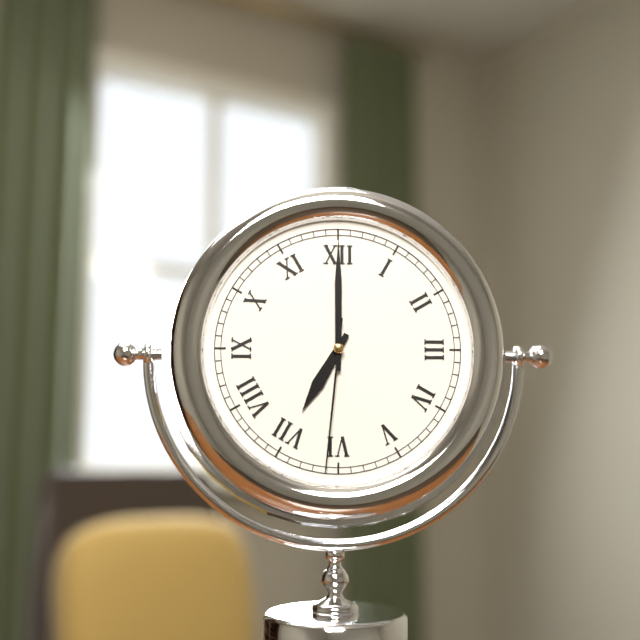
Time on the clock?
7:00:31
